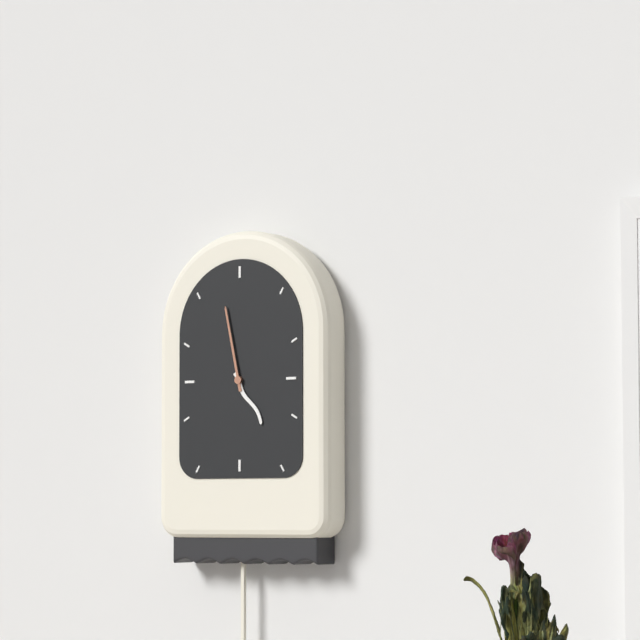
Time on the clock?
4:58
